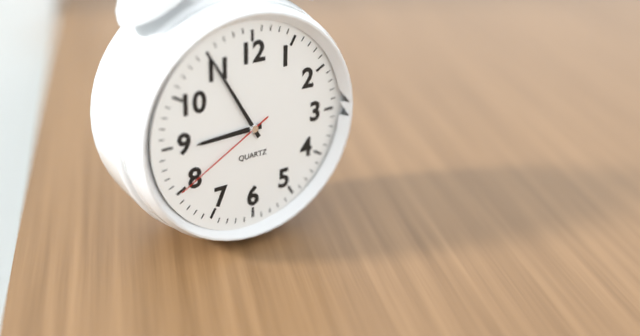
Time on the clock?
8:55:40
